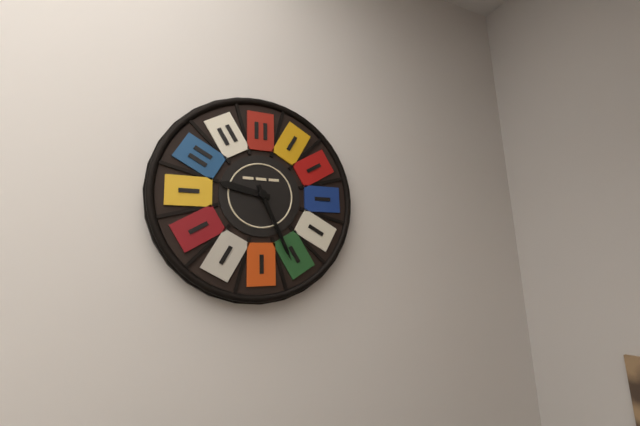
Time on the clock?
9:26
